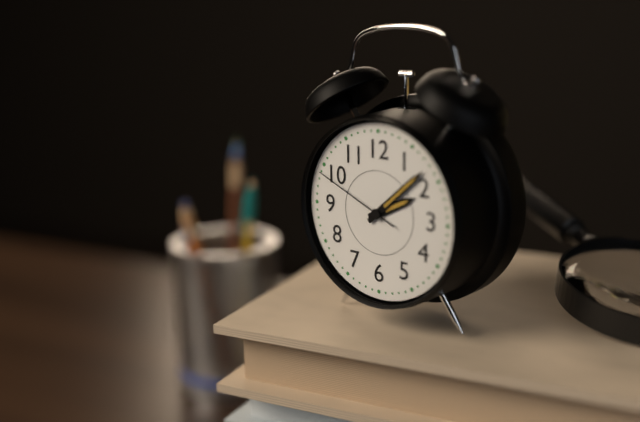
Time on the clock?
2:08:49
